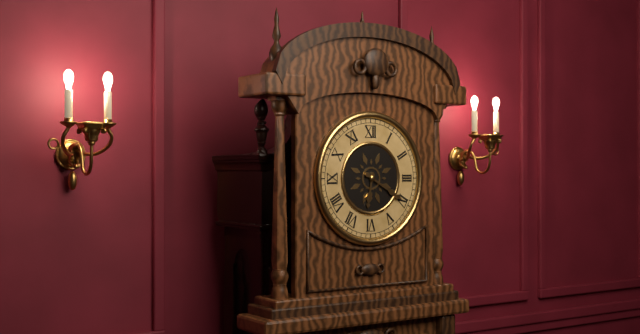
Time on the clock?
6:20
